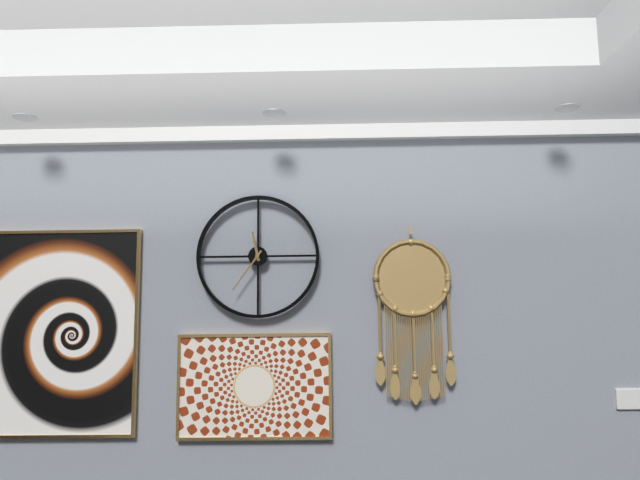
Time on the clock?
11:36
